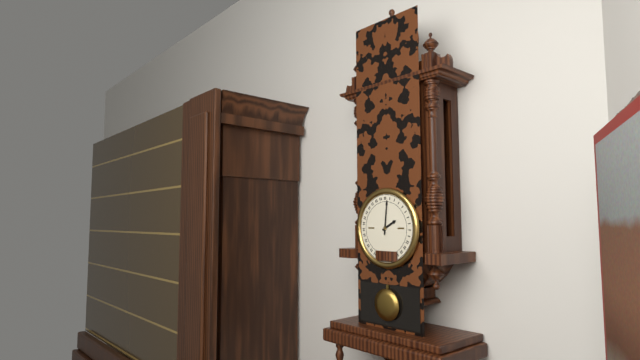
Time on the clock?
2:01
